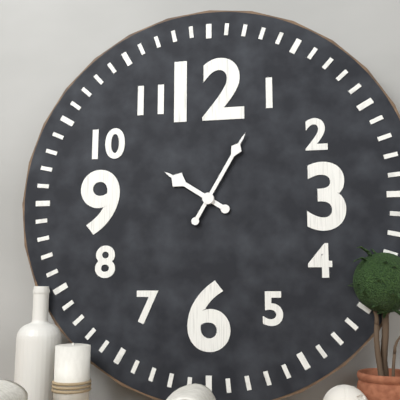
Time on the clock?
10:05
